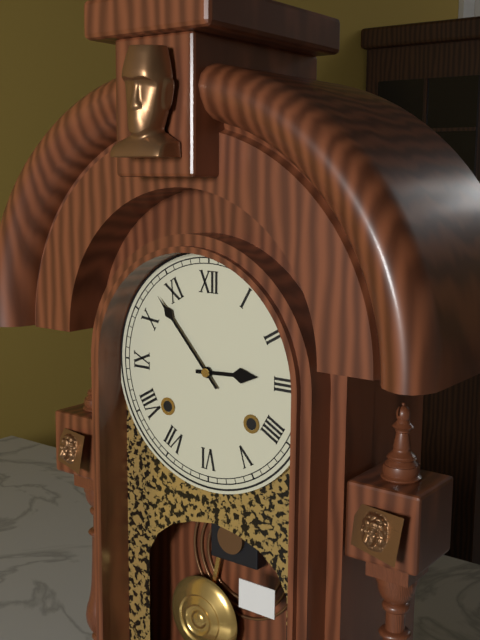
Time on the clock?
2:53
